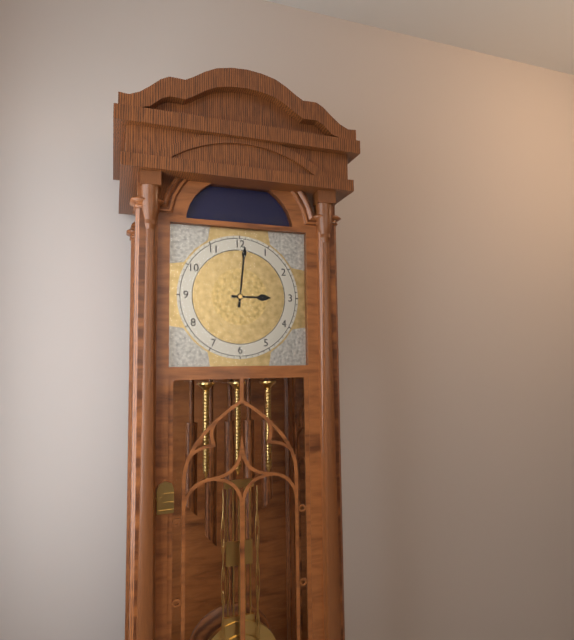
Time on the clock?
3:01
